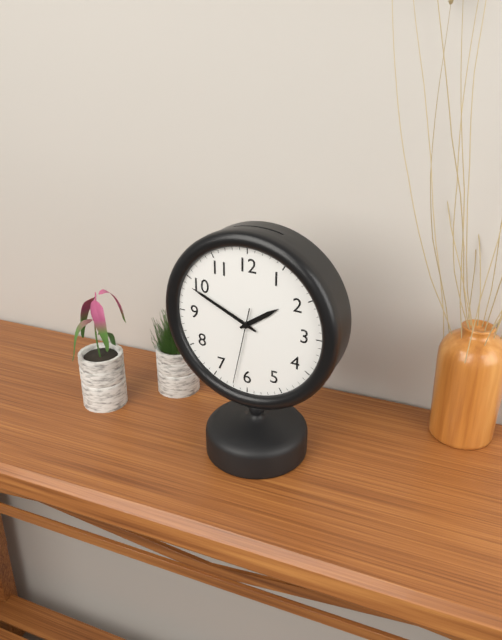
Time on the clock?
1:49:32
